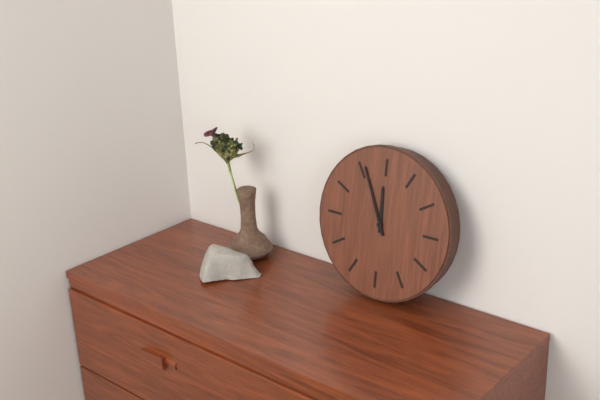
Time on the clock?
11:56
